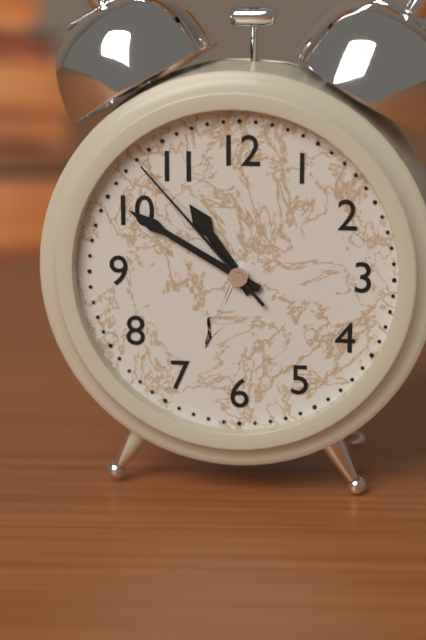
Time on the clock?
10:50:53
